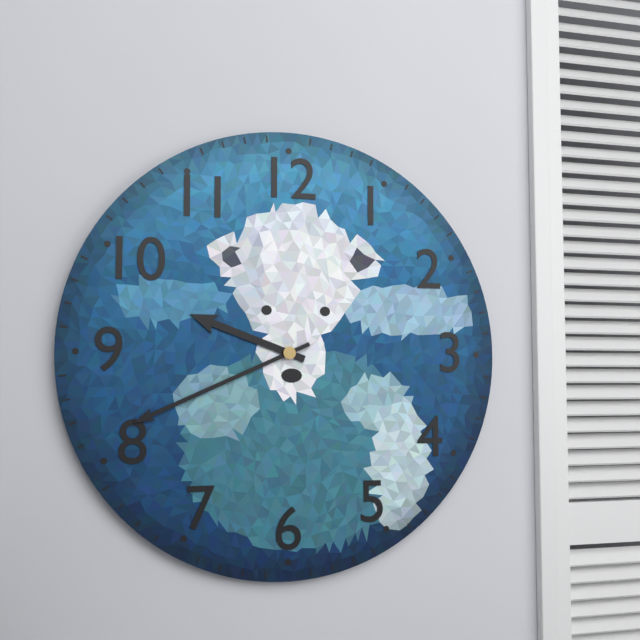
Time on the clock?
9:41
